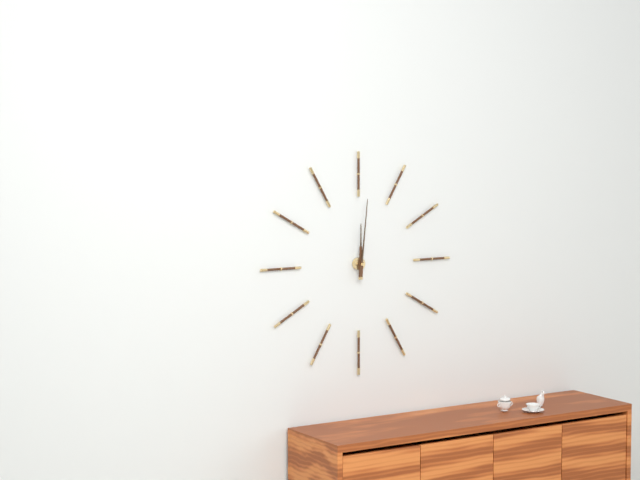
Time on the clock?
12:01
